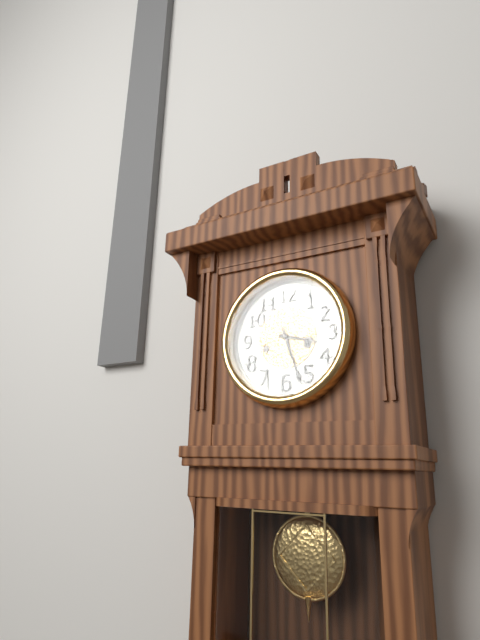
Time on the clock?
3:27
